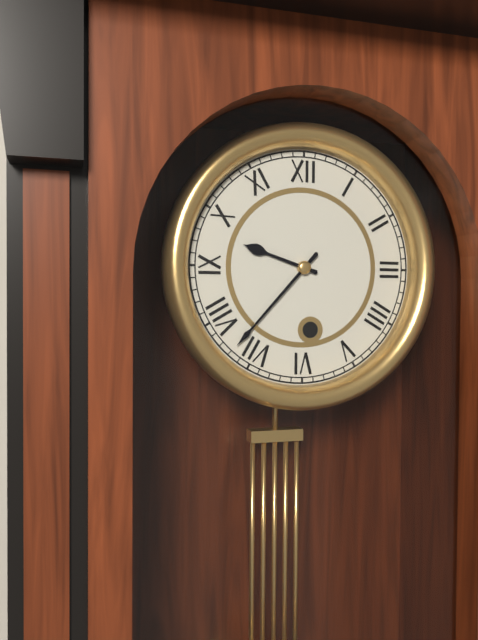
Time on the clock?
9:37
